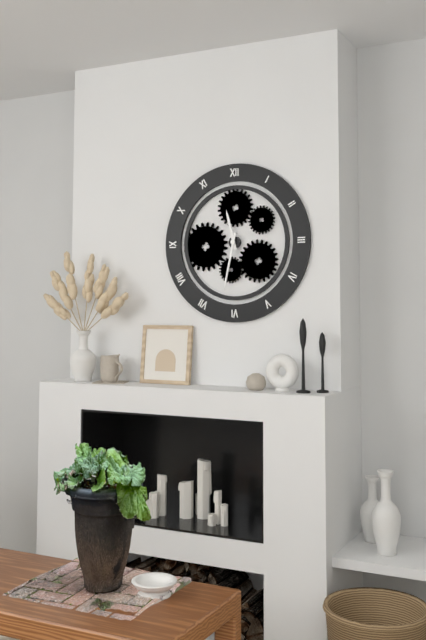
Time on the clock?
11:32
